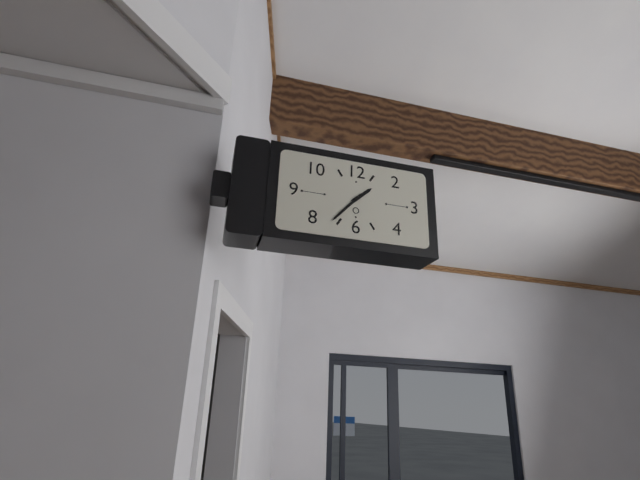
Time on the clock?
1:37
